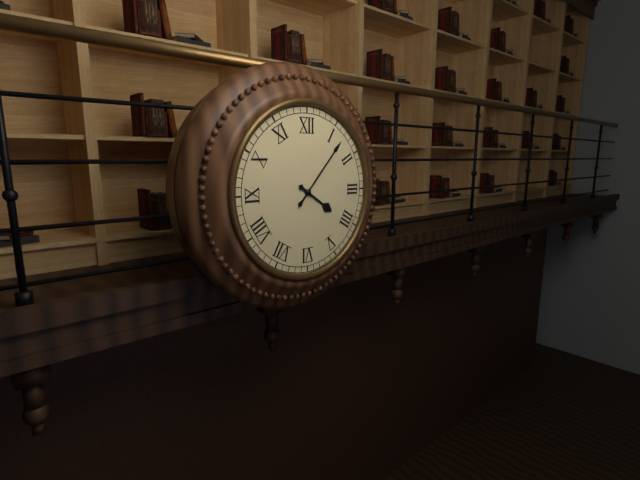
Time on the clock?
4:07
